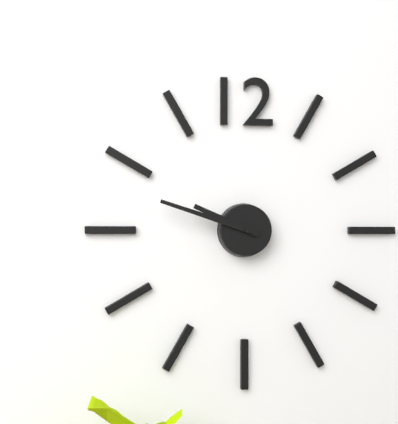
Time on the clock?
9:48
